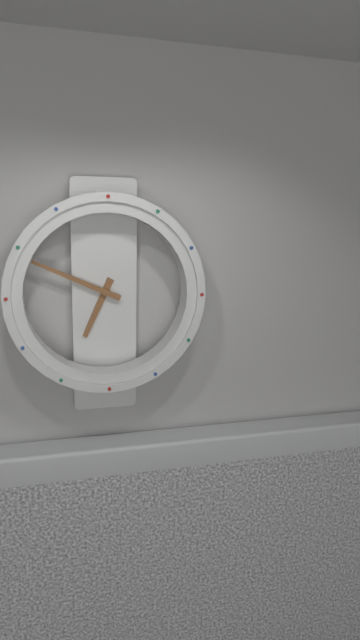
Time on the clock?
6:49
